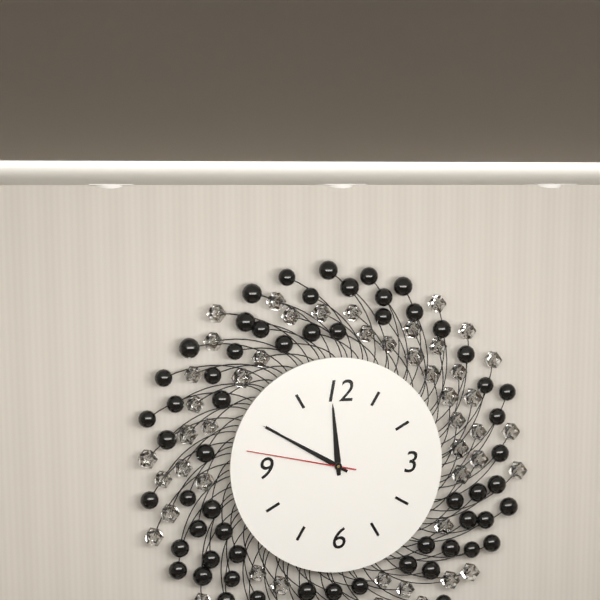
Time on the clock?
11:50:47
